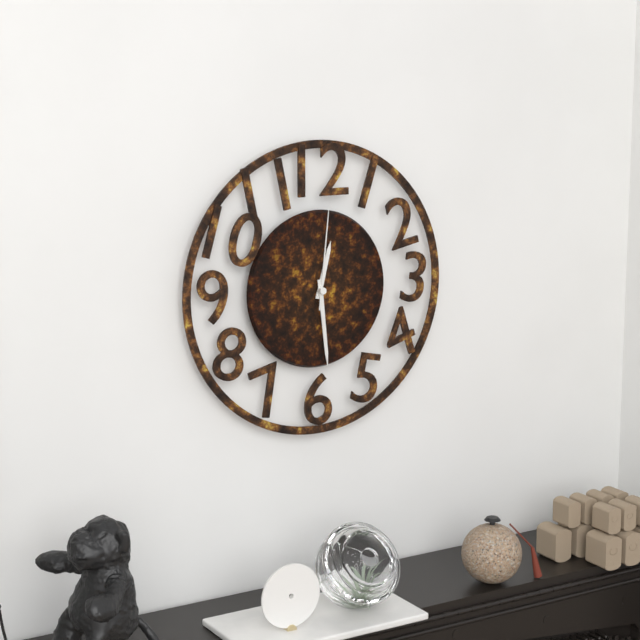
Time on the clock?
12:29:01
